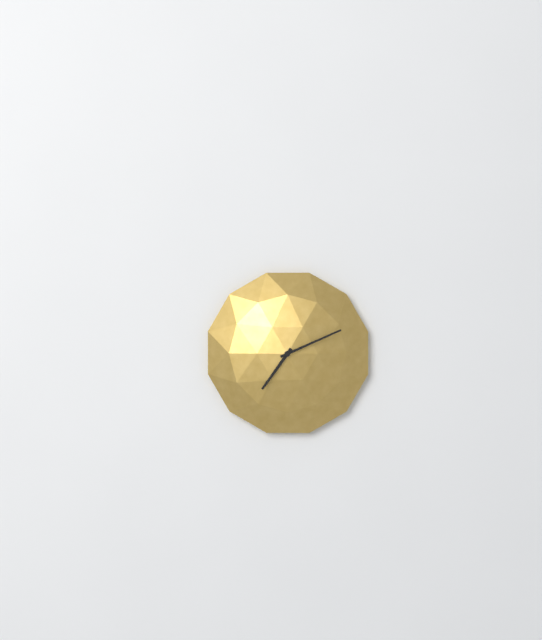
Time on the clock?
7:11
